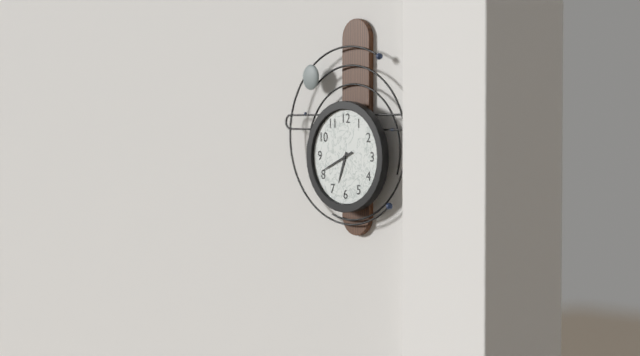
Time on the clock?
6:41
